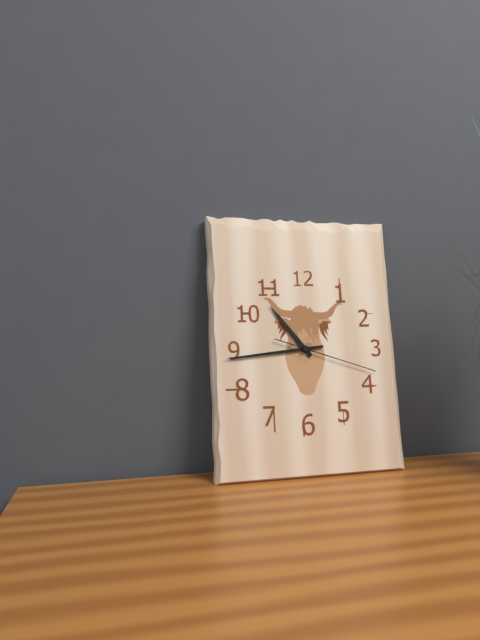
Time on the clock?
10:44:18
